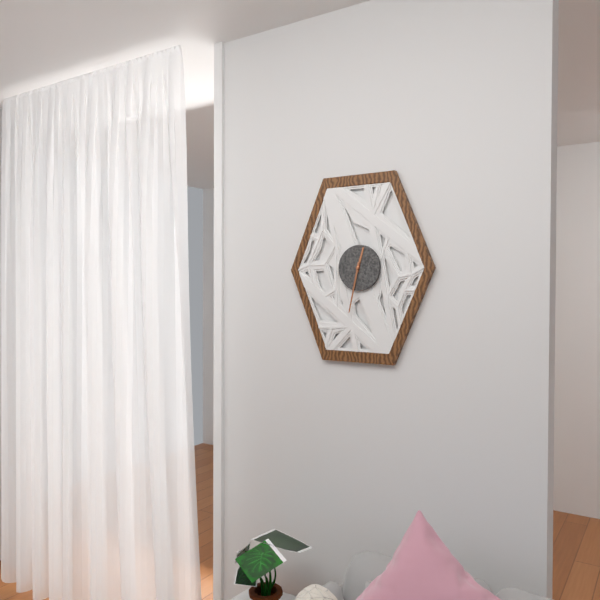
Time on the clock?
12:32
